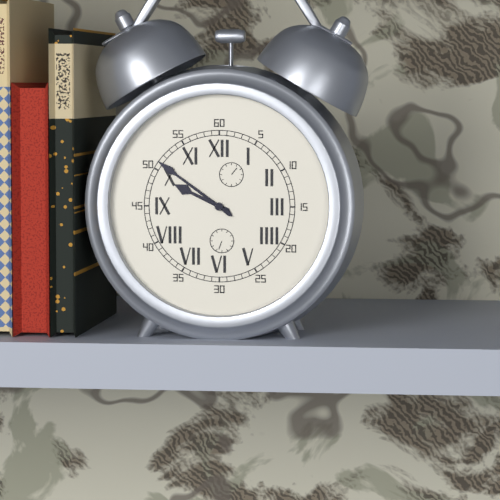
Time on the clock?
9:51
